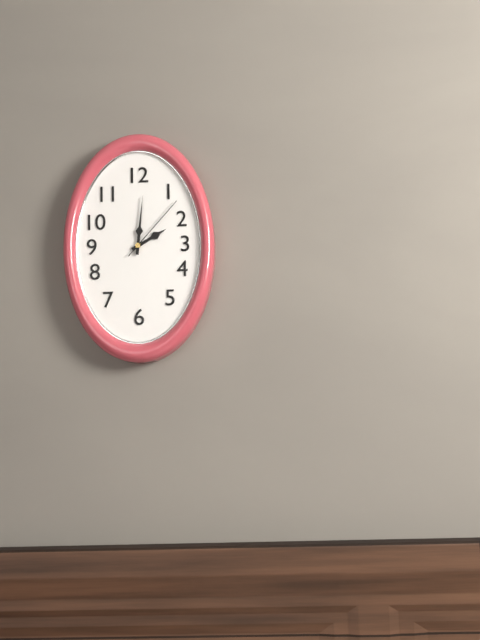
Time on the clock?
2:01:07
